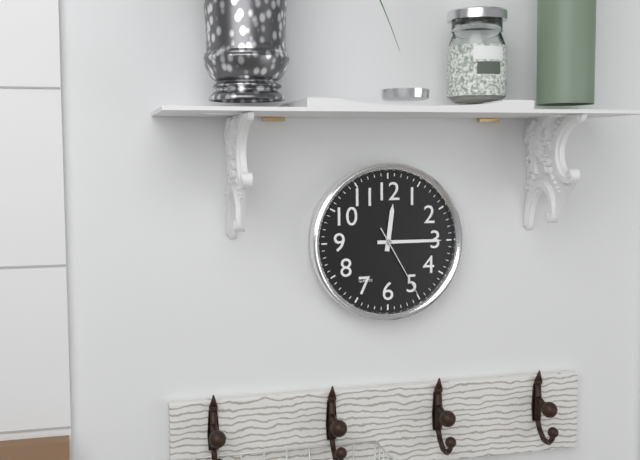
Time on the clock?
12:15:25
